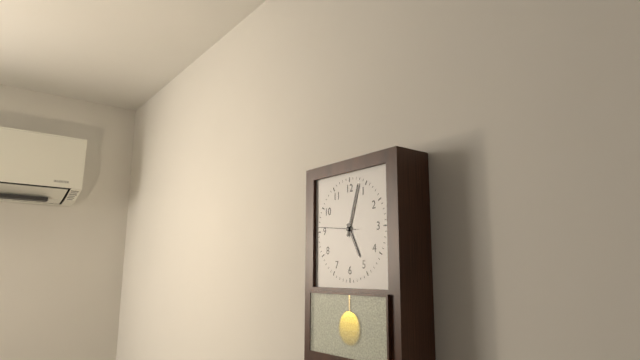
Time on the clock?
5:03
